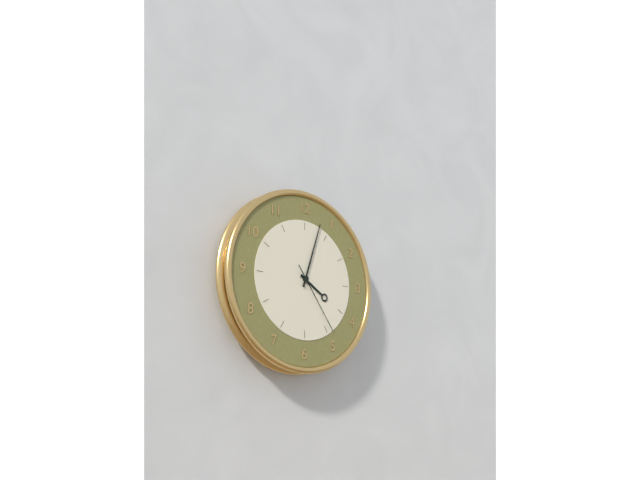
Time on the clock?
4:03:24
